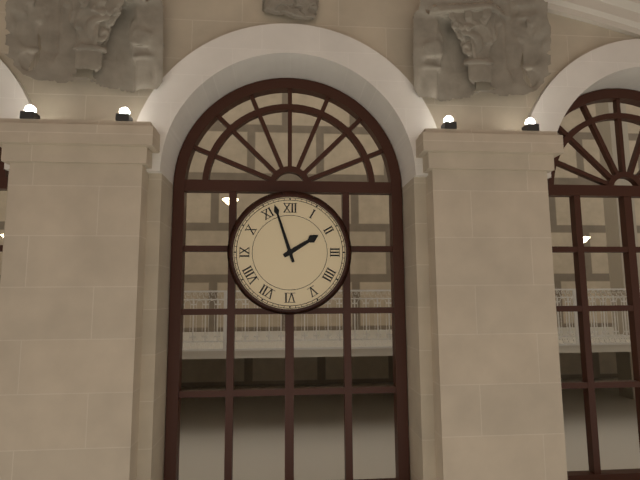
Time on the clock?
1:57
